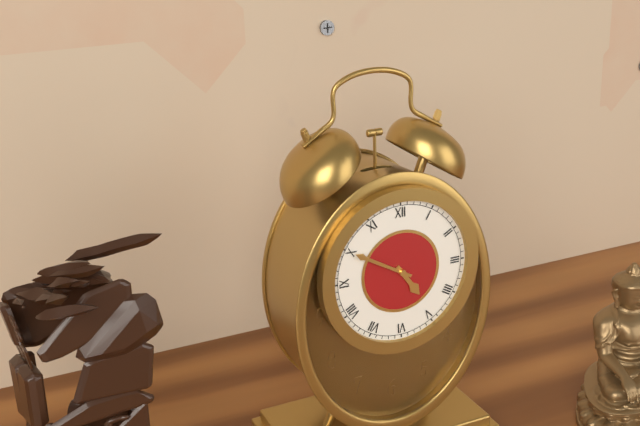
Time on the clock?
4:50
